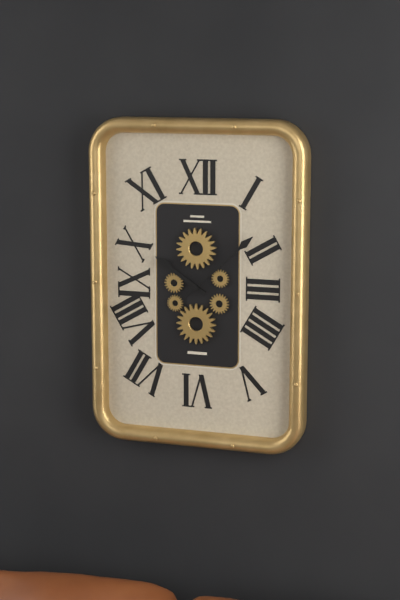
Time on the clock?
10:08
